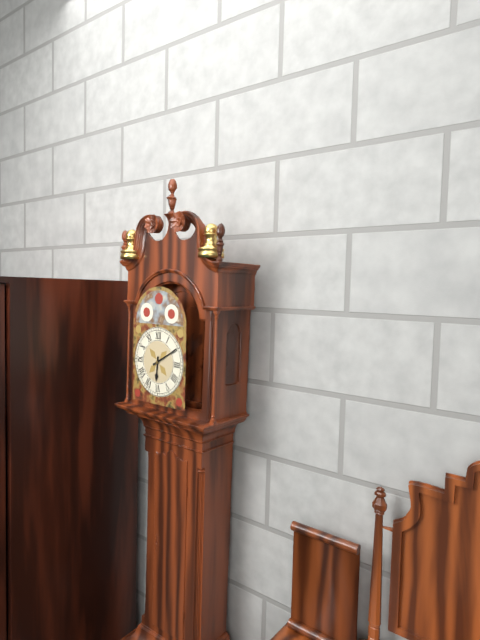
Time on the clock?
6:10
